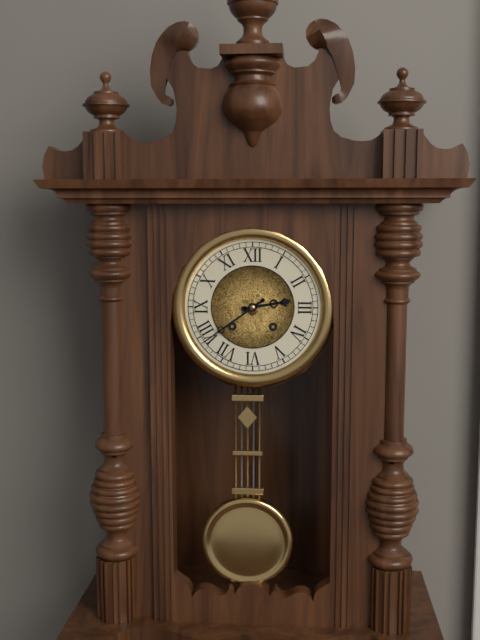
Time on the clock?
2:39
